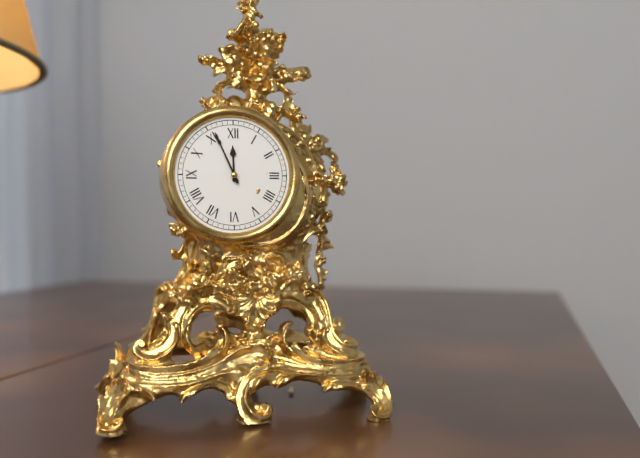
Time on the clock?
11:56
